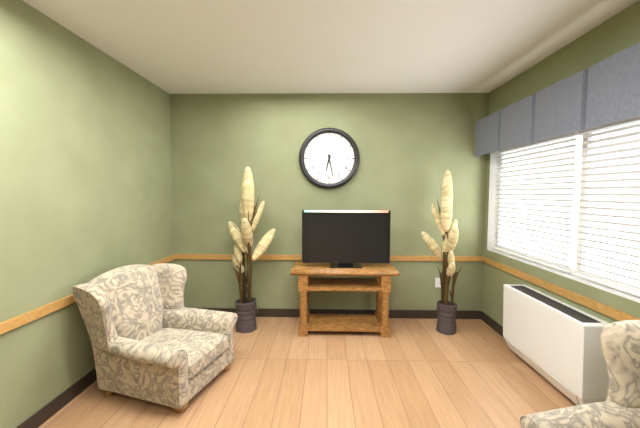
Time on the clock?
6:28
